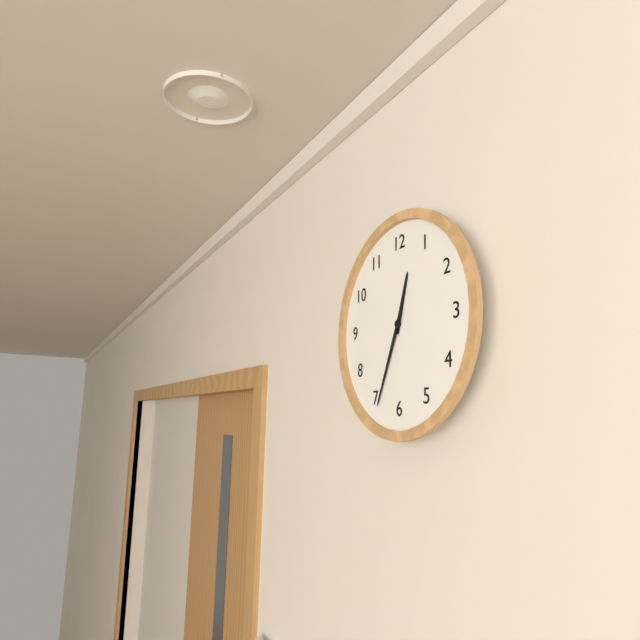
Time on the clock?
12:34
